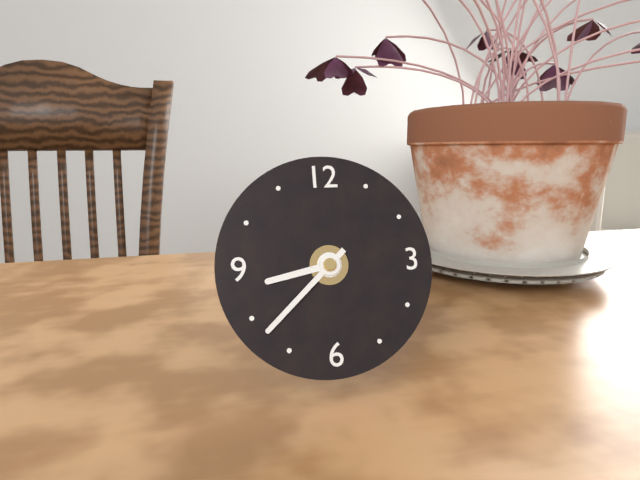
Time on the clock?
8:38
